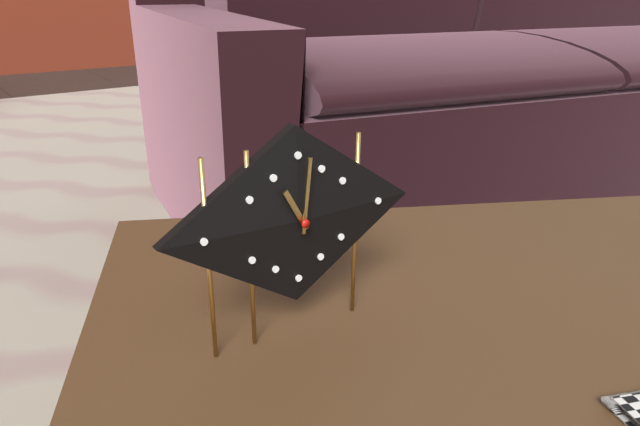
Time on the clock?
11:01
